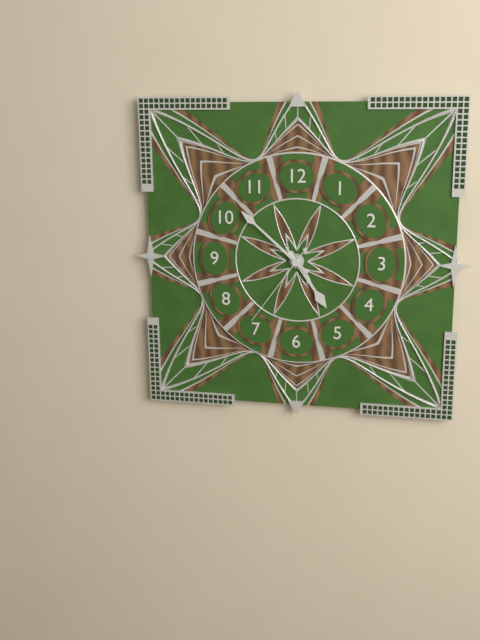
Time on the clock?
4:52:36
